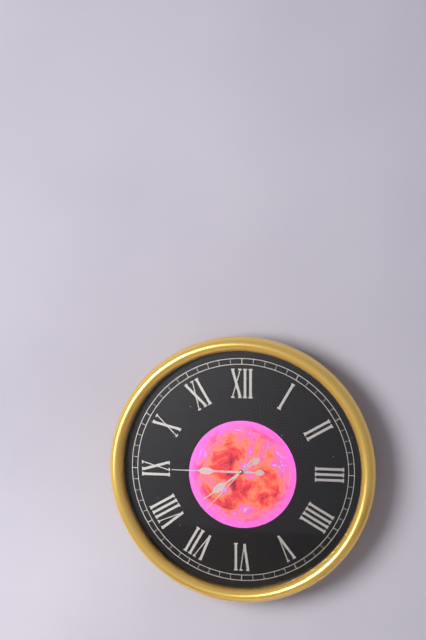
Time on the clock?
7:45:37
